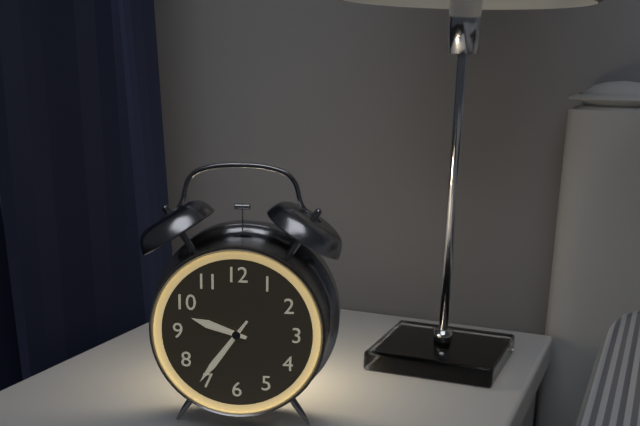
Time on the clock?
9:36
